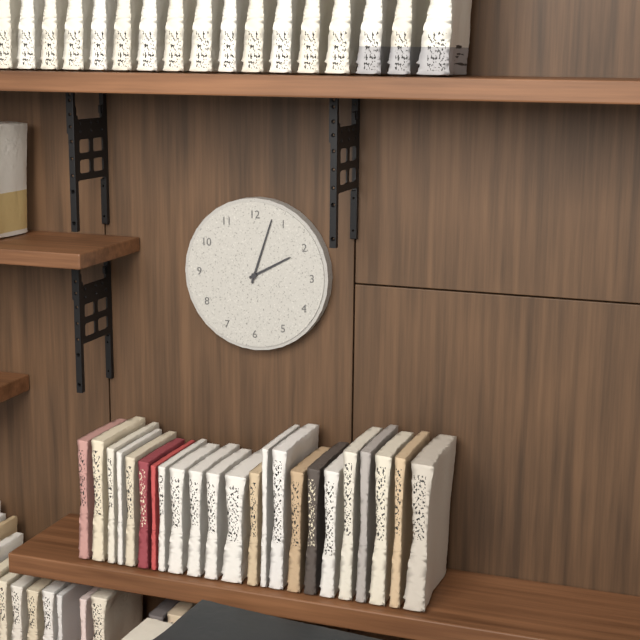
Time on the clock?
2:03
